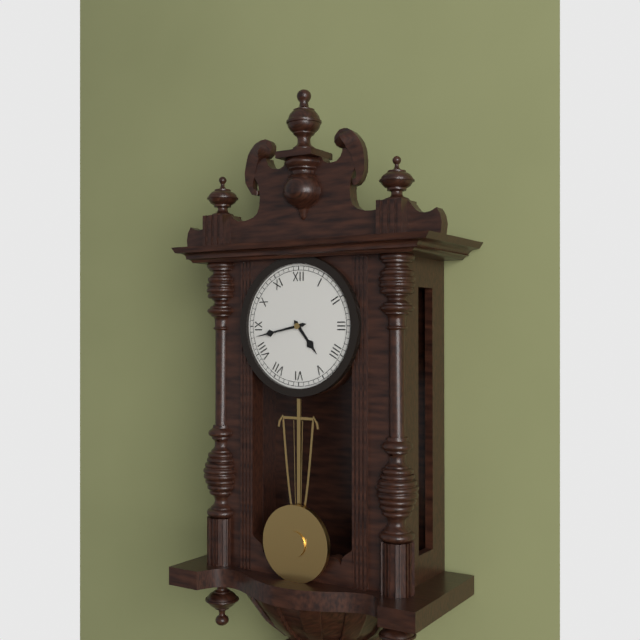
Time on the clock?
4:43
